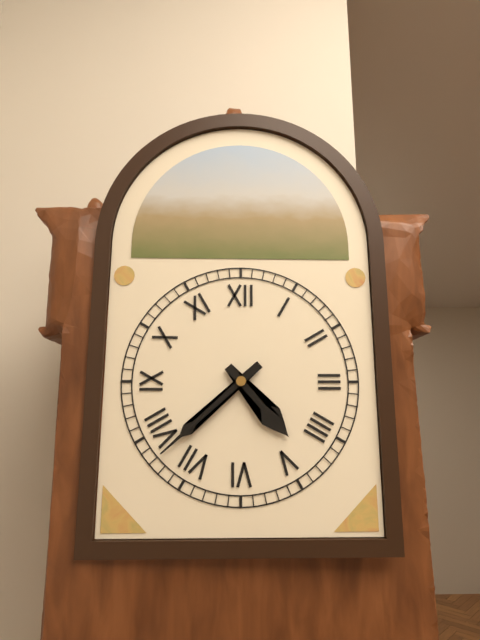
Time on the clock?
4:38
